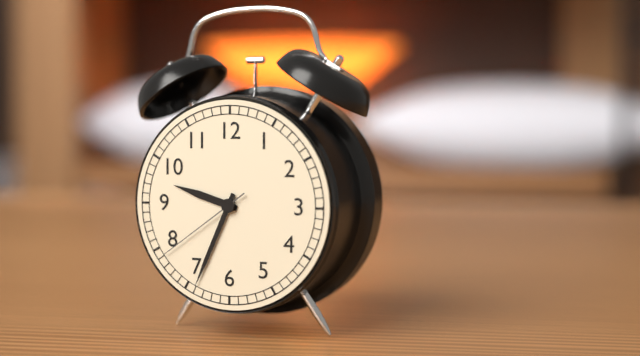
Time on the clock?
9:34:39
